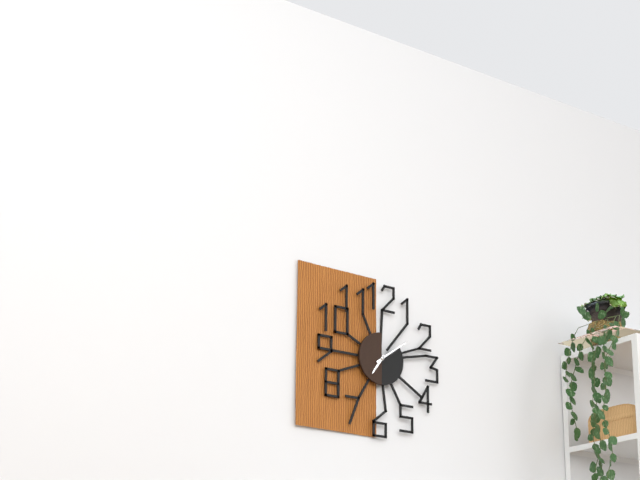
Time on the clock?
7:09
